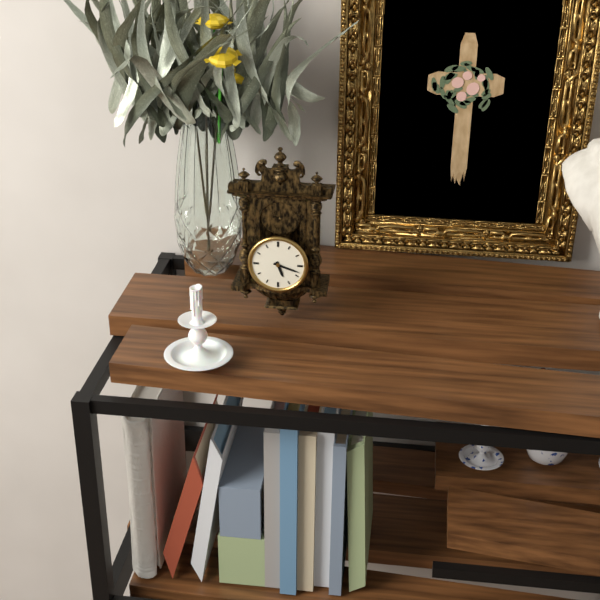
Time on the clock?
5:18
